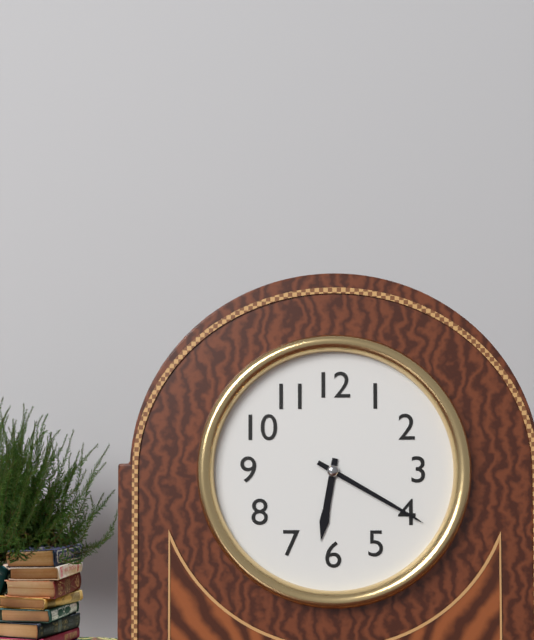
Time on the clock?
6:20
